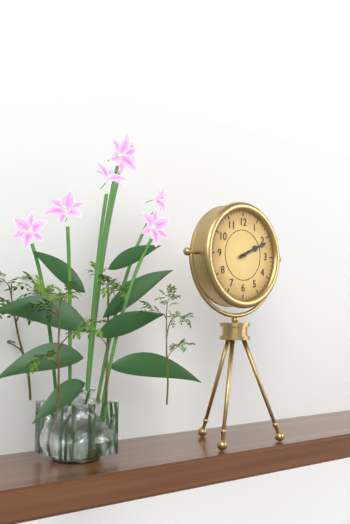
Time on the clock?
2:11
